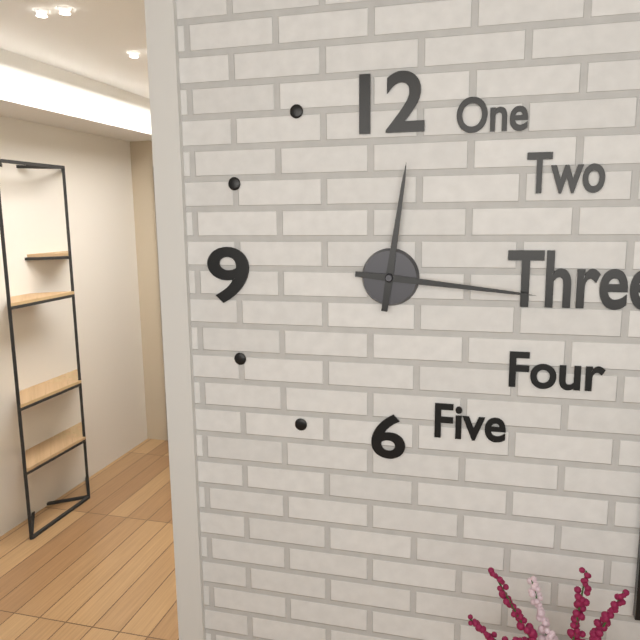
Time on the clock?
12:16
